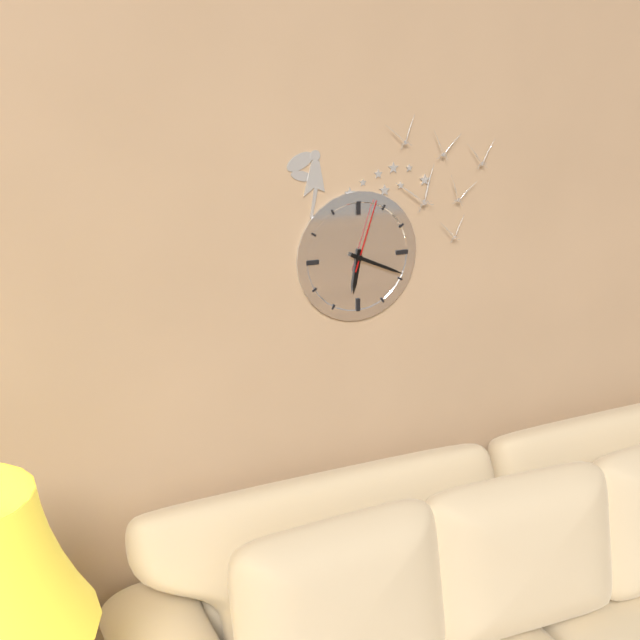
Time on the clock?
6:19:03
